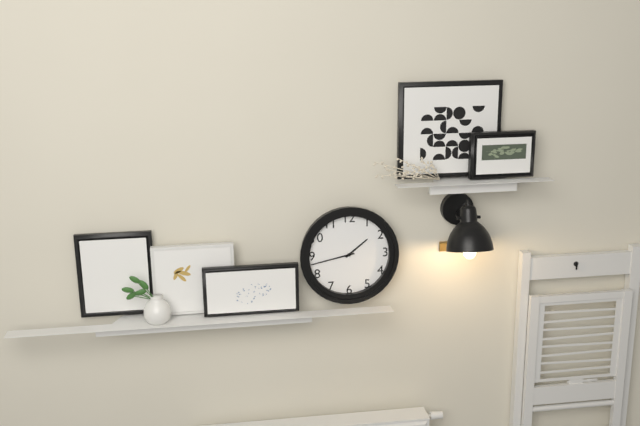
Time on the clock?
1:43
